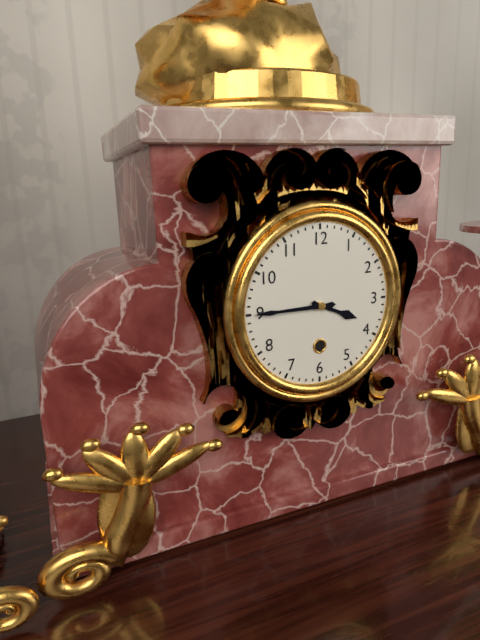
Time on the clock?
3:45
